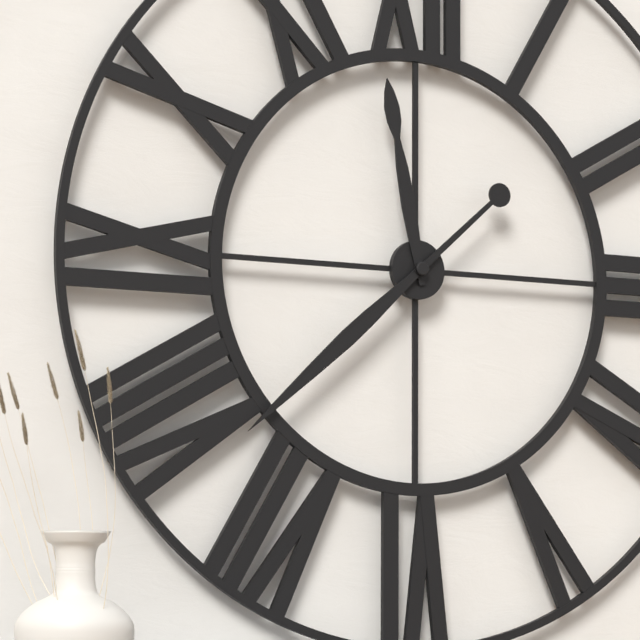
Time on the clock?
11:38
